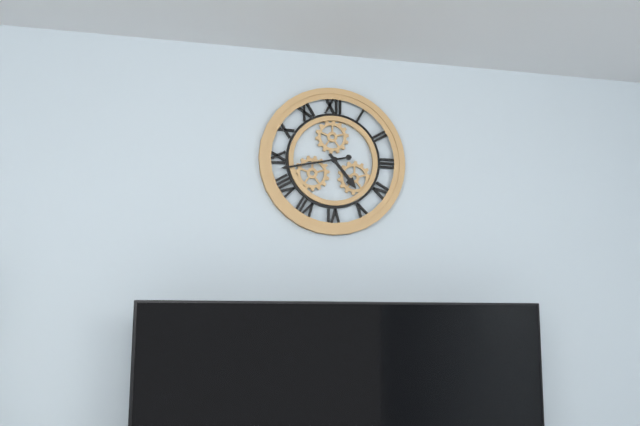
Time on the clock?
4:43
